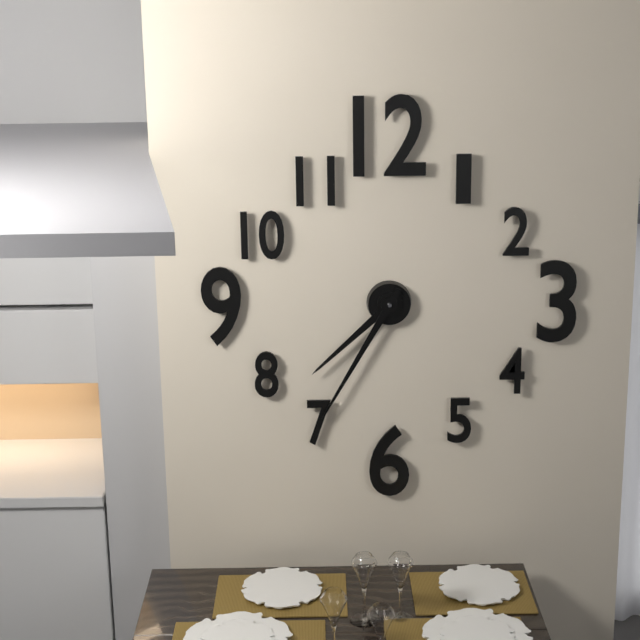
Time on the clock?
7:35
